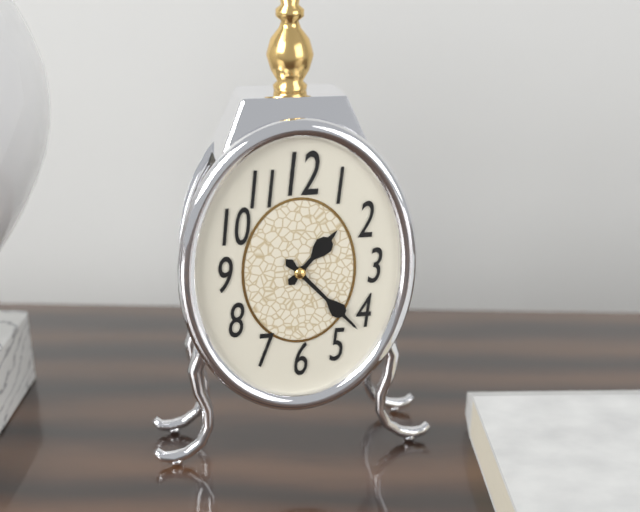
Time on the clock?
1:23
